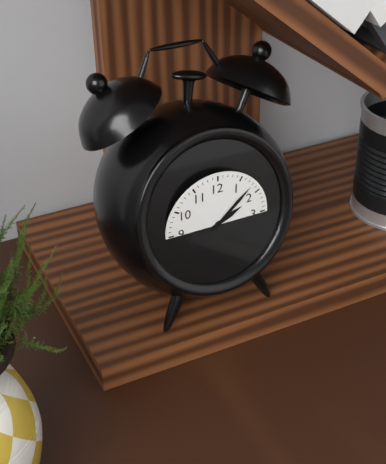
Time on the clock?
2:08
